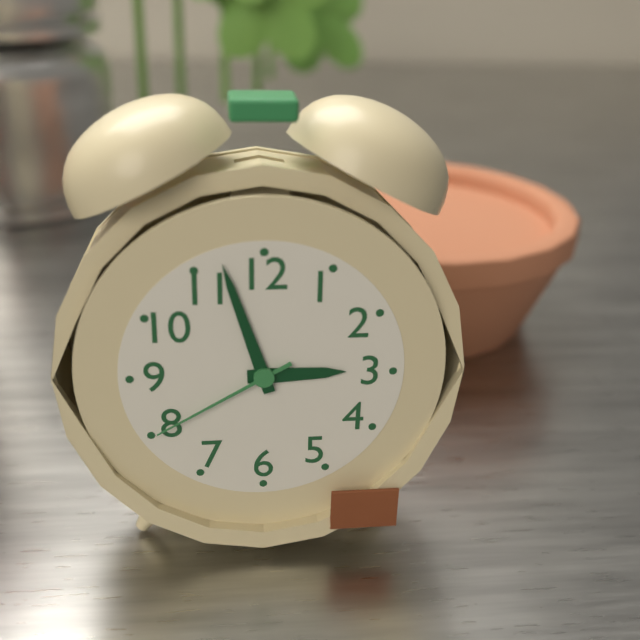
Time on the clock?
2:57:40
